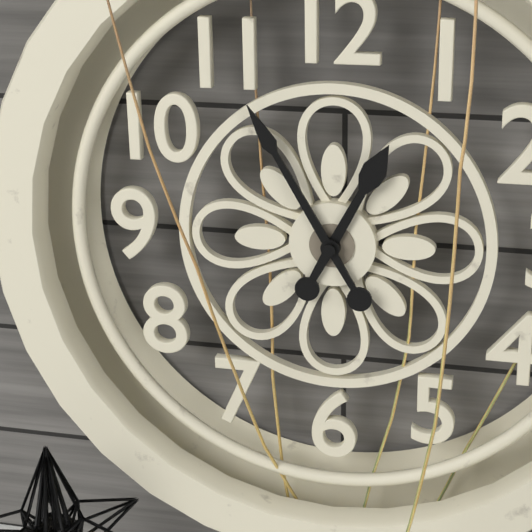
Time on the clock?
12:55
